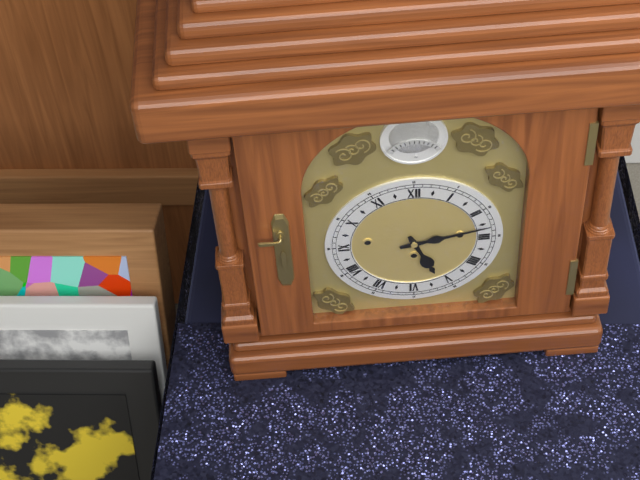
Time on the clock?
5:13
